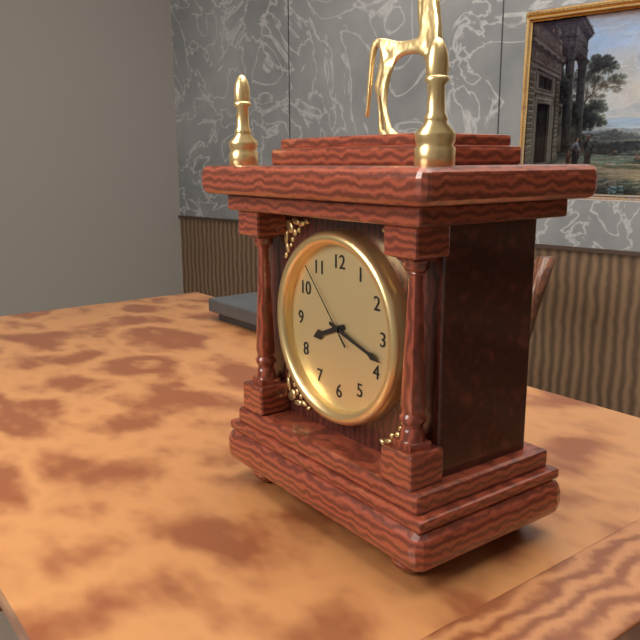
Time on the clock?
8:18:53
